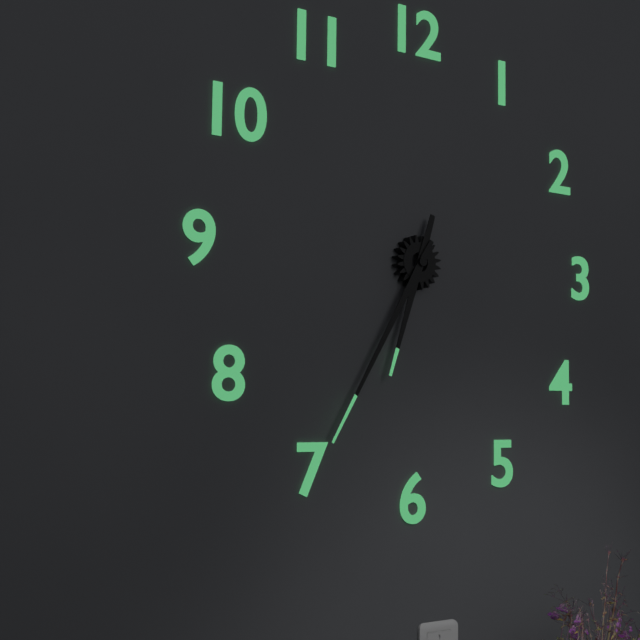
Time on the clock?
6:35
